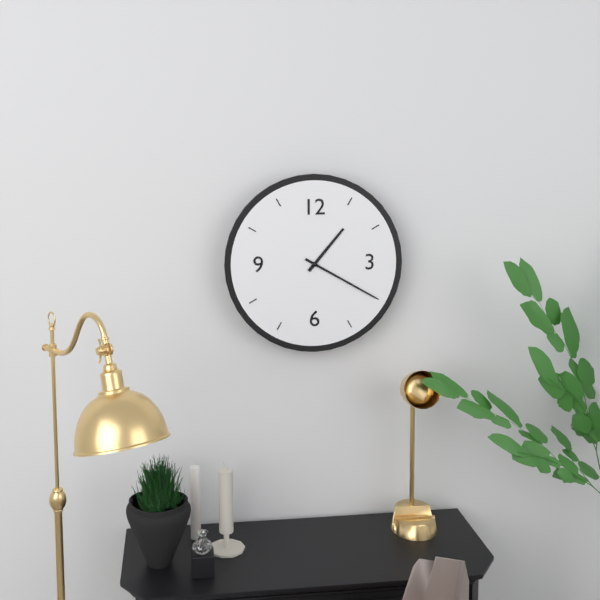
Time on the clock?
1:20
